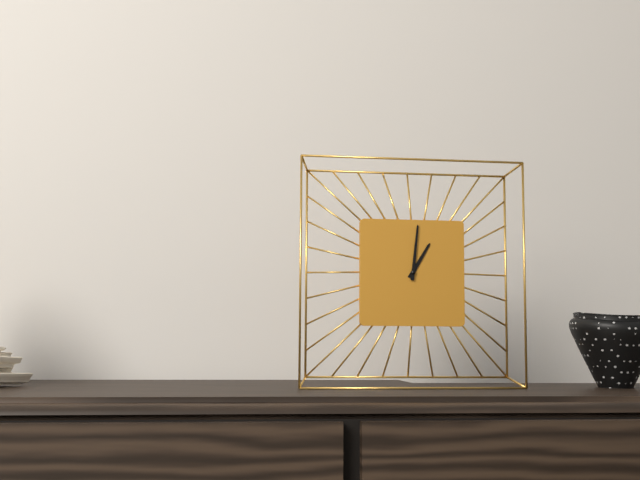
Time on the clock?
1:01
